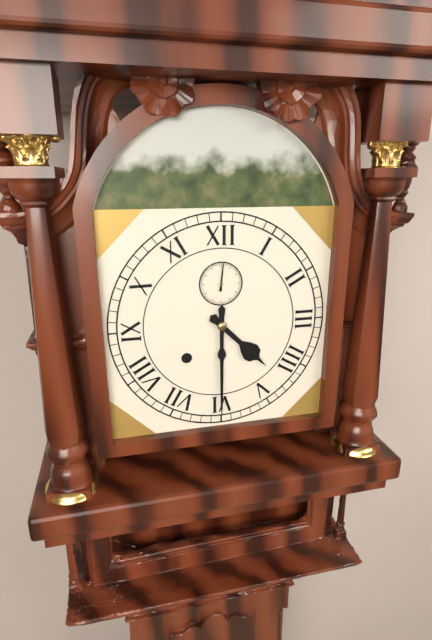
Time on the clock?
4:30
